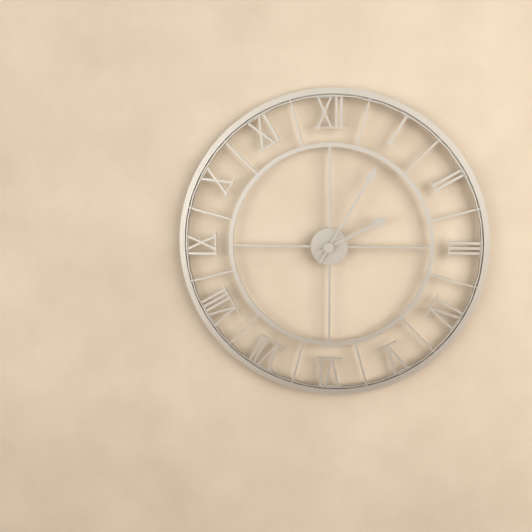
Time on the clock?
2:05
